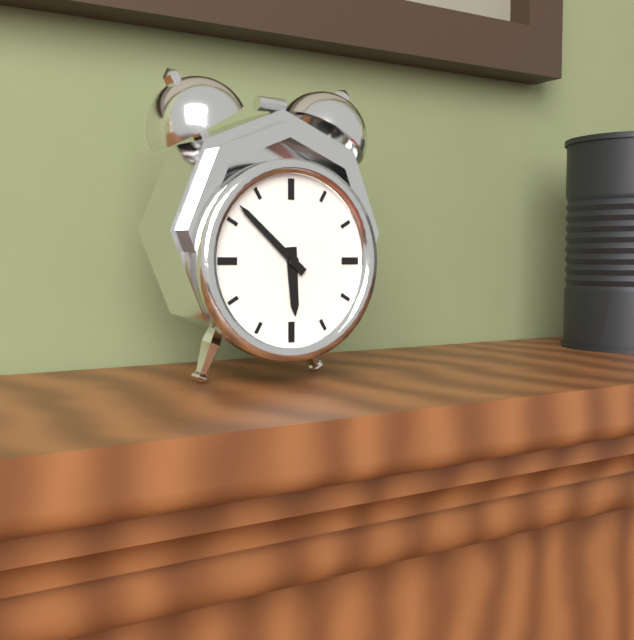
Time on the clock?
5:52
